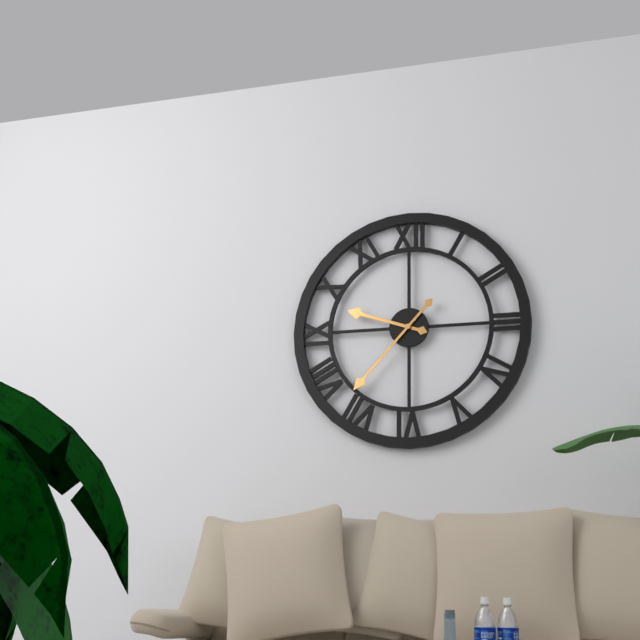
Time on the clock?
9:37
